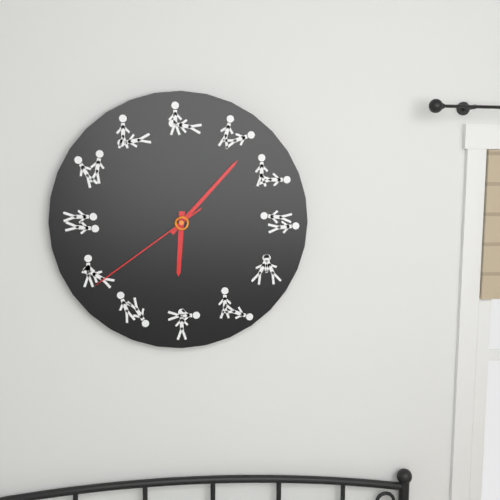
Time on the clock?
6:07:39
